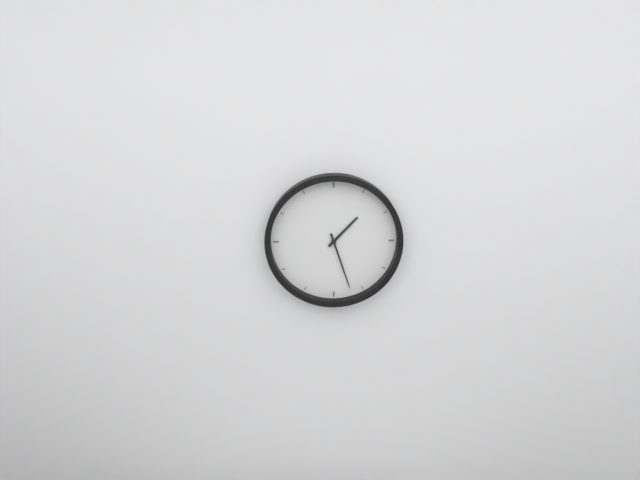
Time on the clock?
1:27
